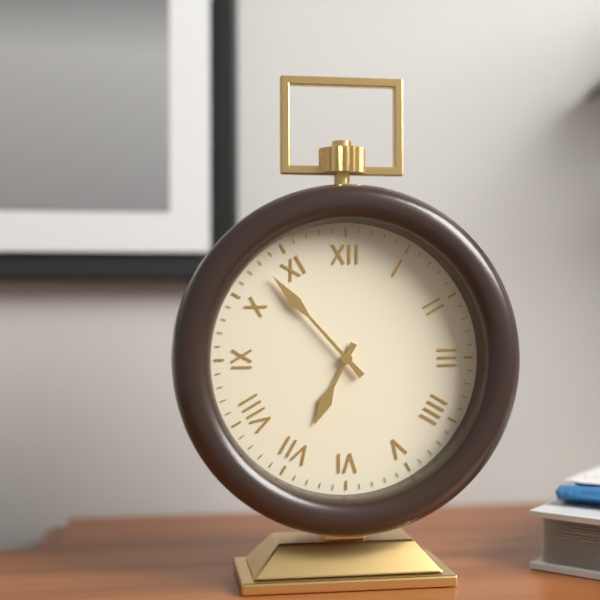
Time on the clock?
6:53
